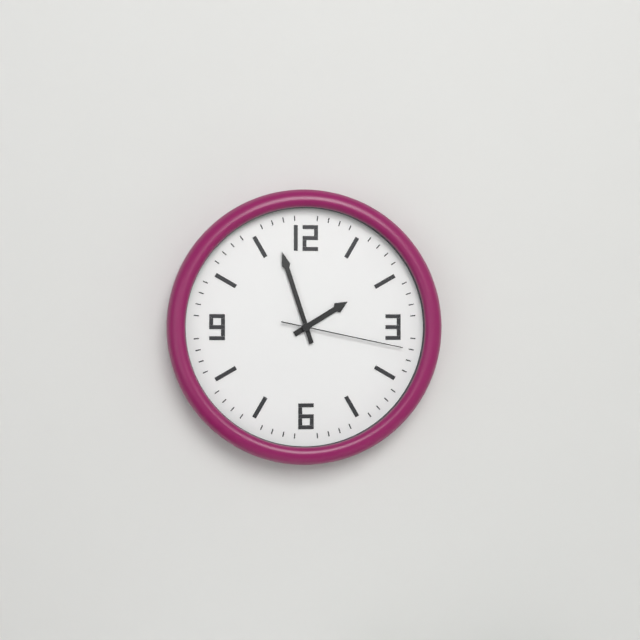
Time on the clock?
1:57:17
